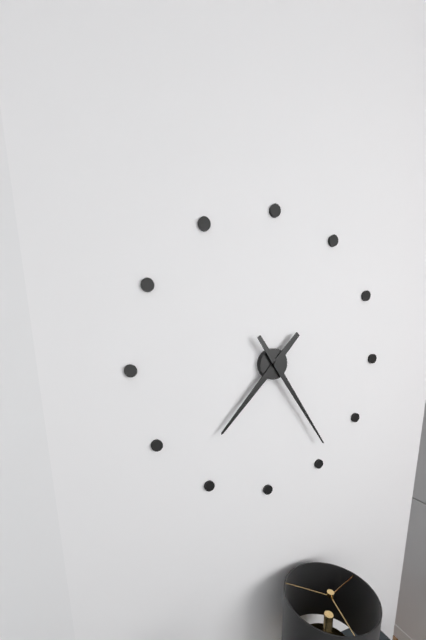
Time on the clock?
7:24
